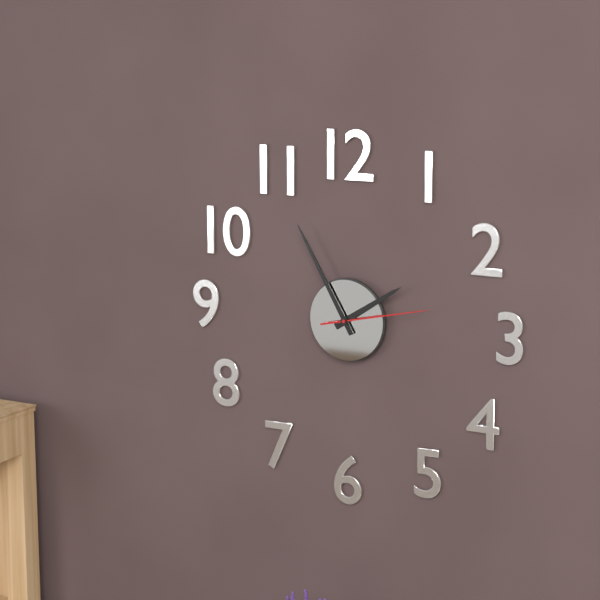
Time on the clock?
1:55:13
